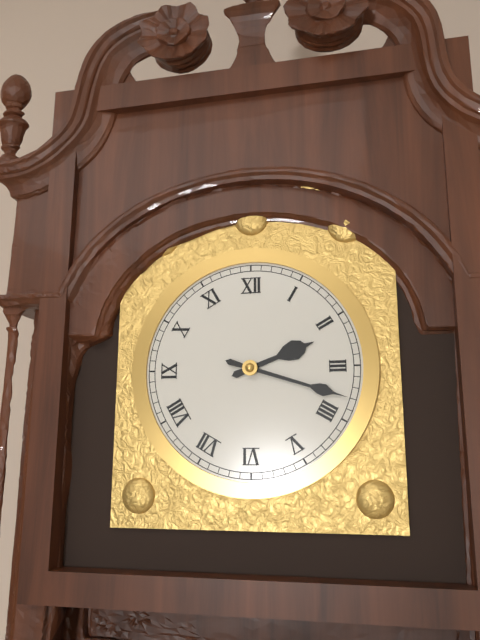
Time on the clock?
2:18
